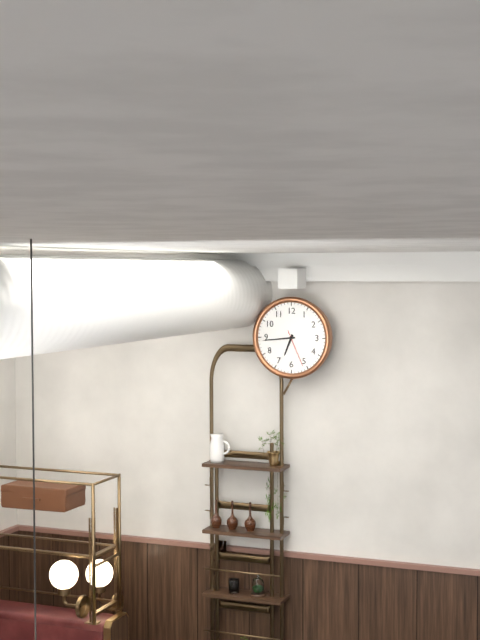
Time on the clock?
6:44
